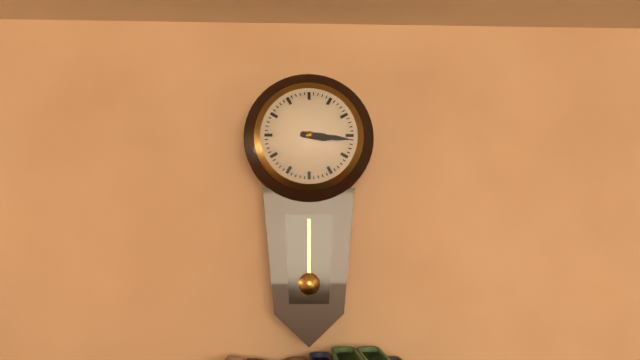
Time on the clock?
3:16
